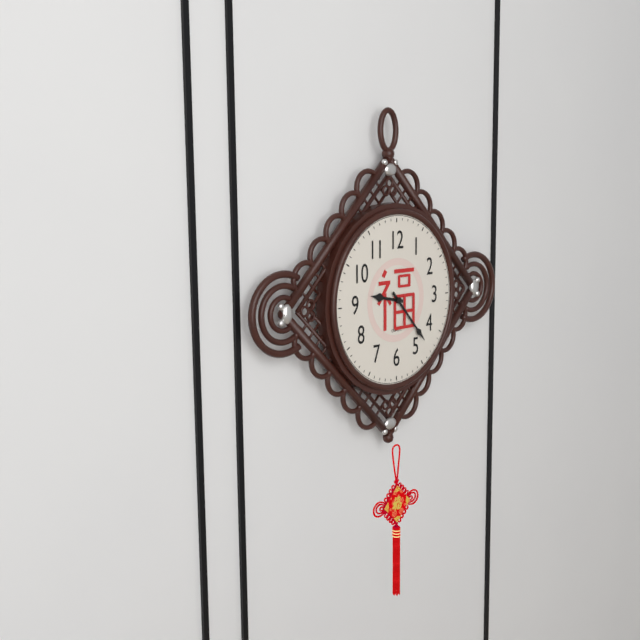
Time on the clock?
9:23
